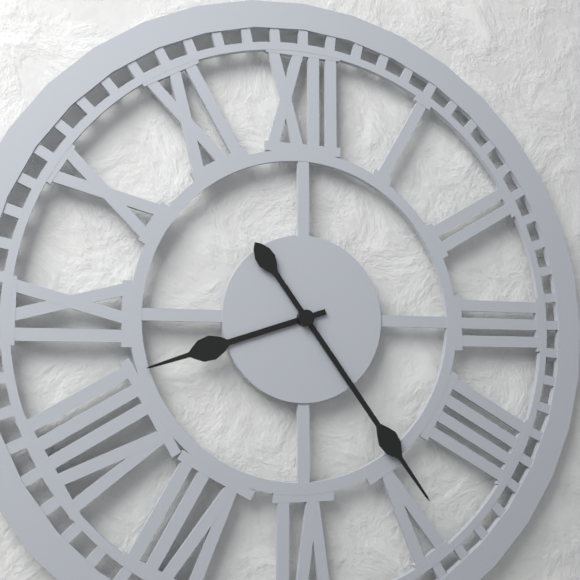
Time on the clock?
8:24
